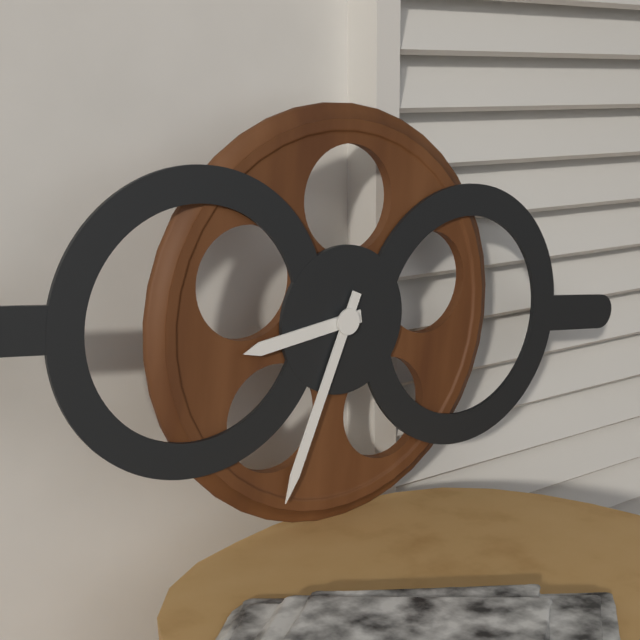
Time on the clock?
8:33
